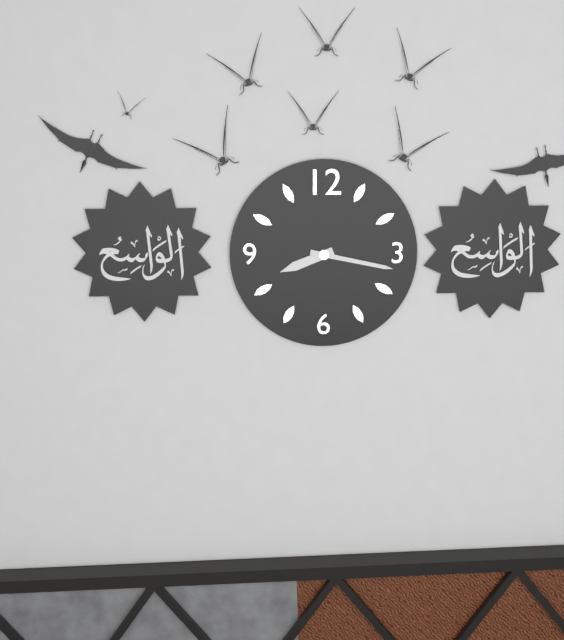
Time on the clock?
8:17
